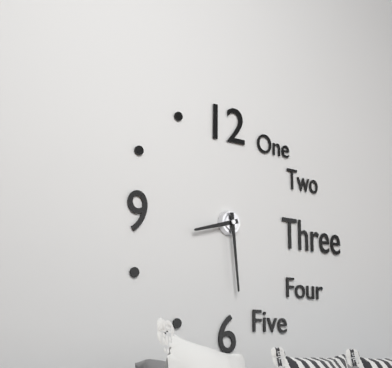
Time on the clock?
8:29
